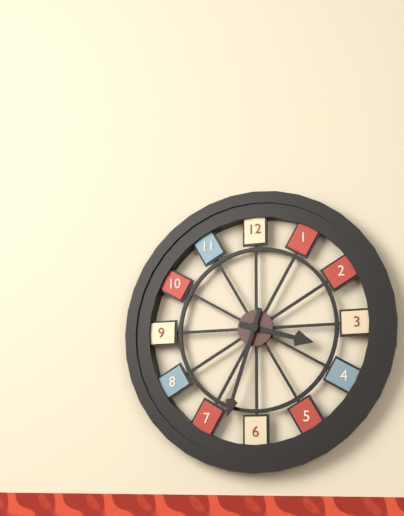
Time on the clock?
3:33
